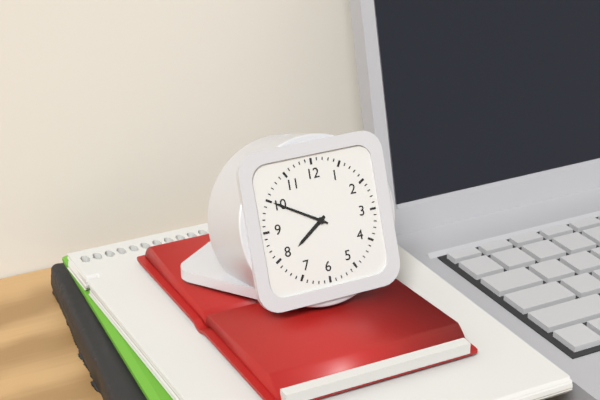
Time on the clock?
7:50
